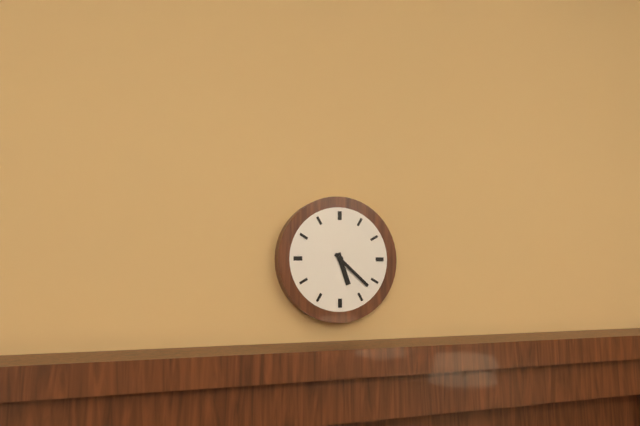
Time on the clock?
5:22
